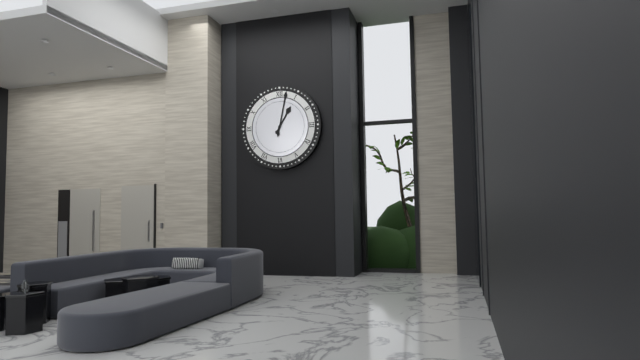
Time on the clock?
1:02
